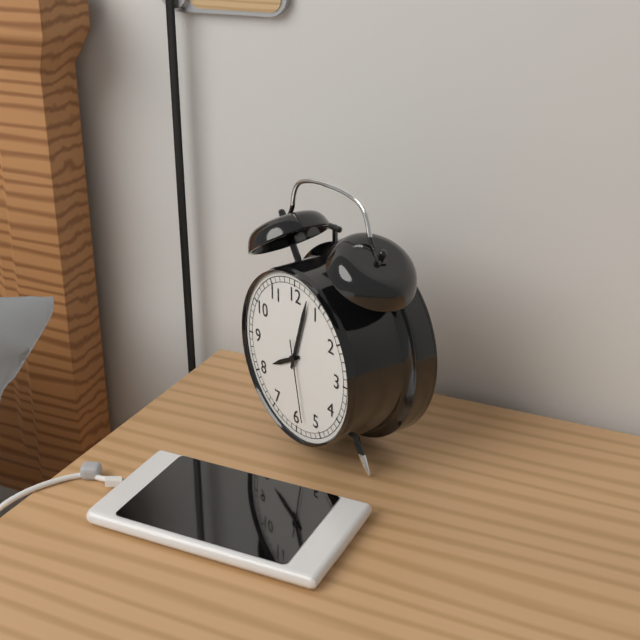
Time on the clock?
8:03:28
